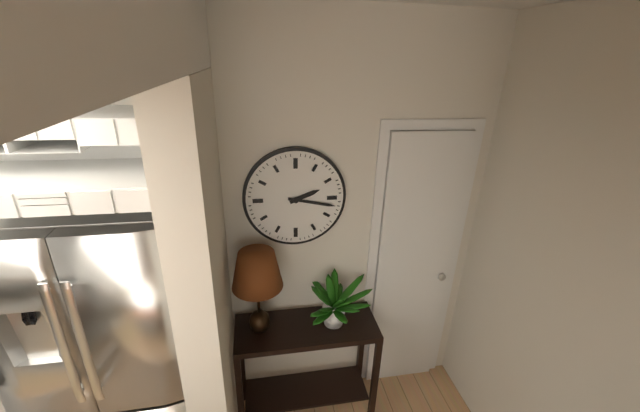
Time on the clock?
2:17
